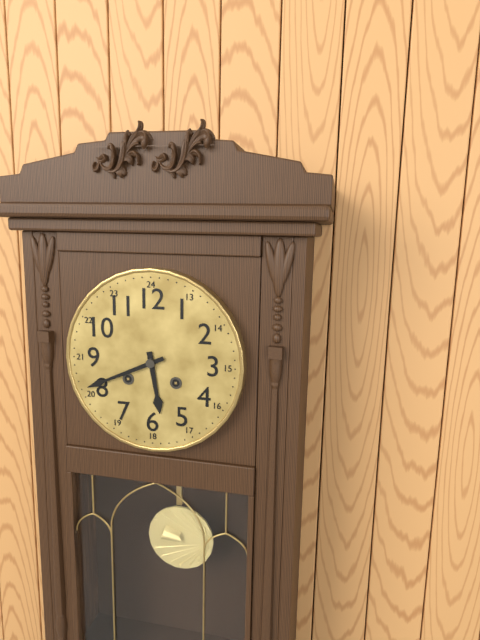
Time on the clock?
5:41
